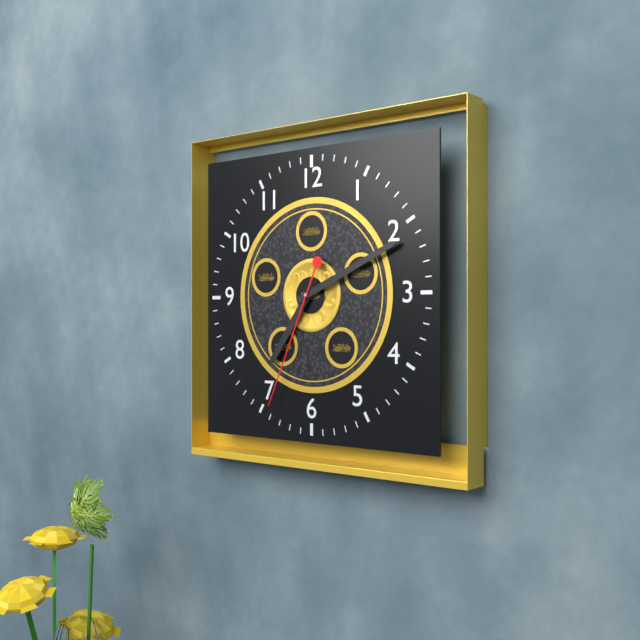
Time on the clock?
7:11:34
